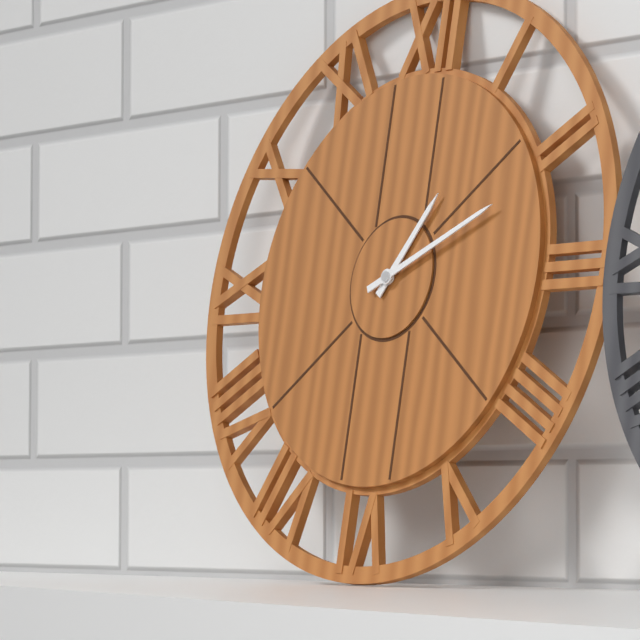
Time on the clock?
1:11
